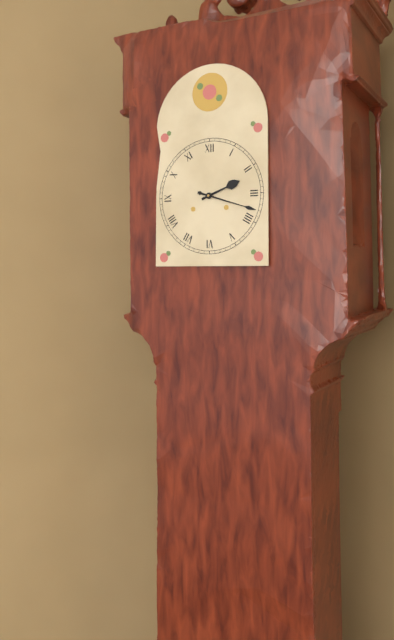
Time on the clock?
2:18
